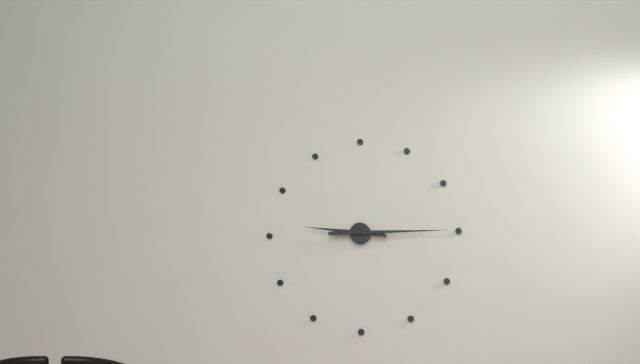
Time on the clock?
9:15
